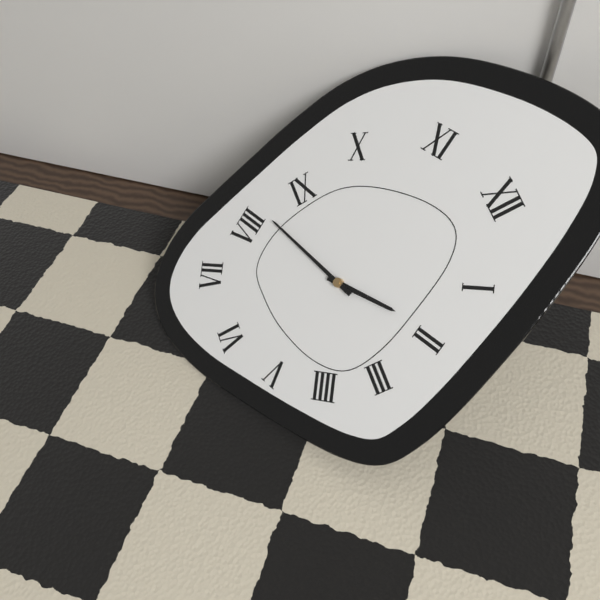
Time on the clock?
1:41
